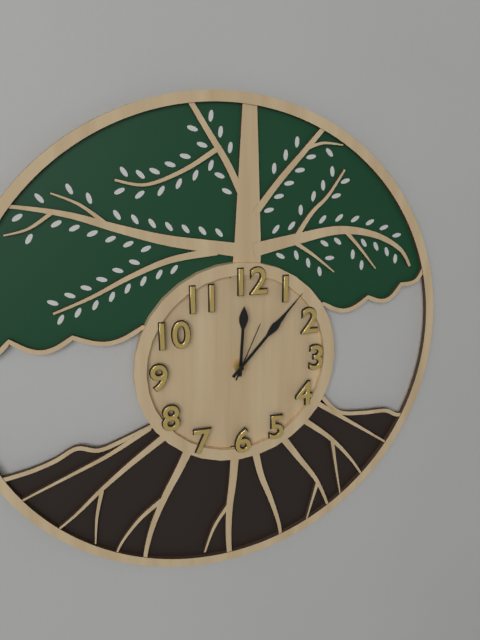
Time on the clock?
12:07:04
